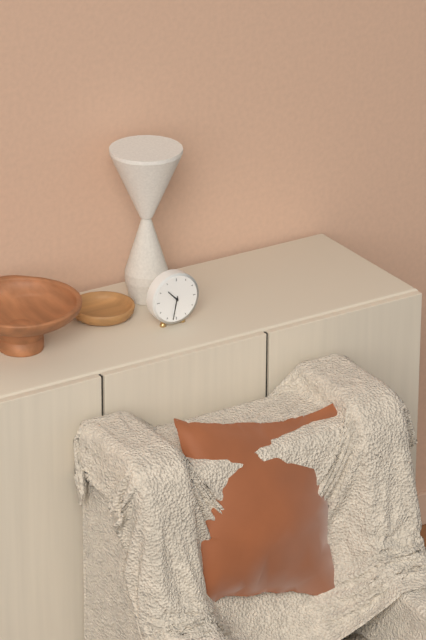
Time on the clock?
10:32
